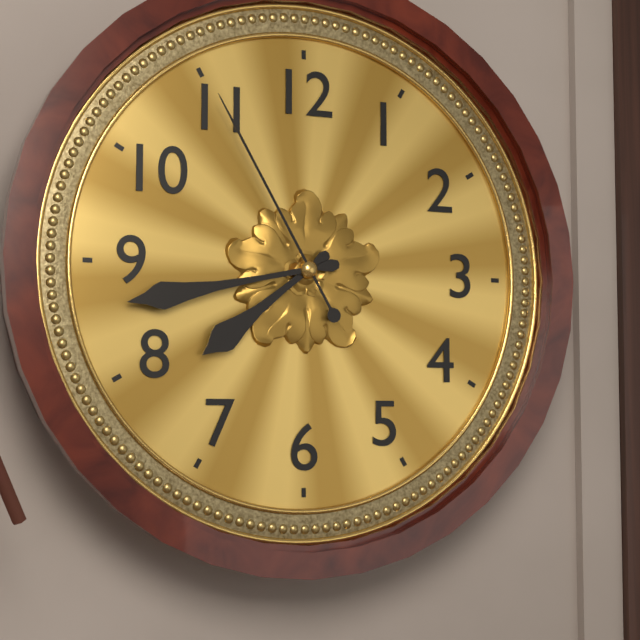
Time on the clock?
7:43:55
